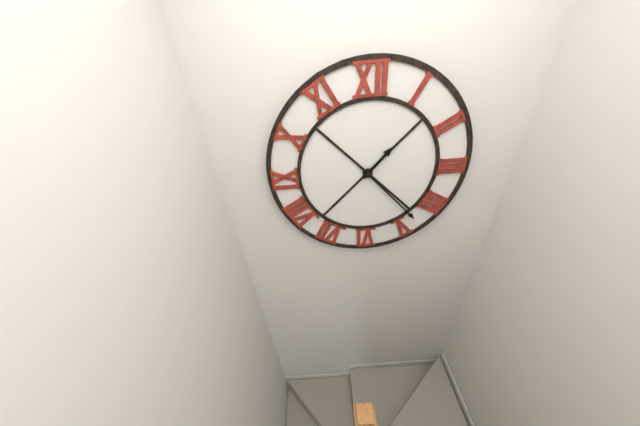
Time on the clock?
1:23
